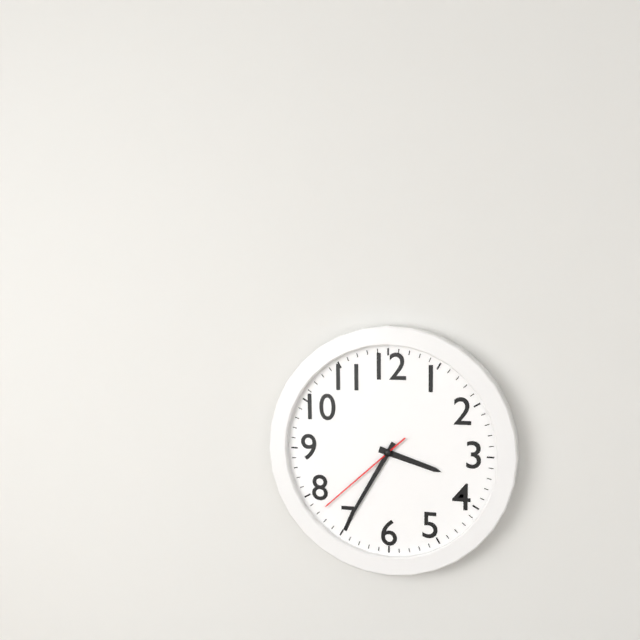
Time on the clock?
3:35:38
